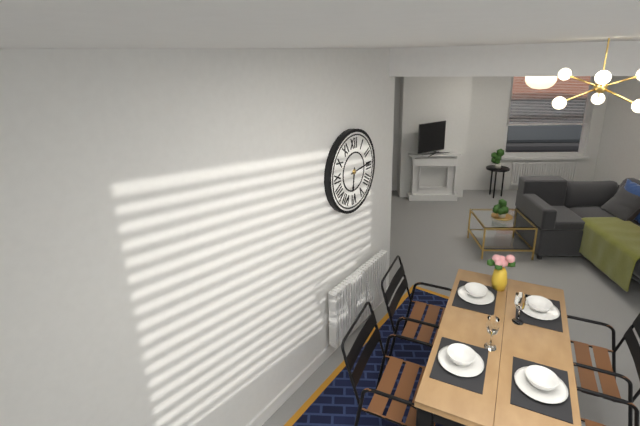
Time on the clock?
6:14
